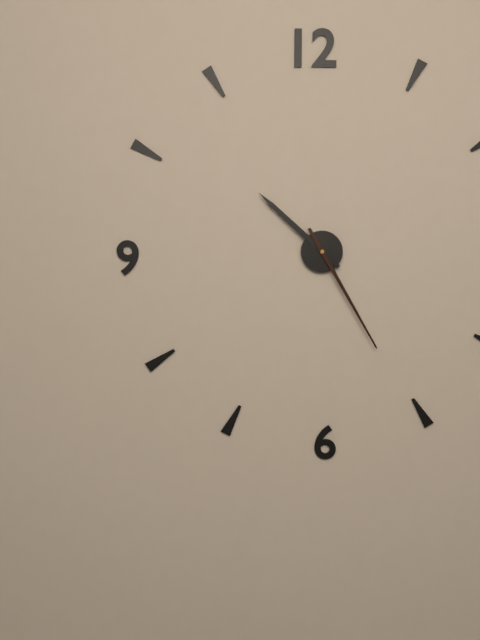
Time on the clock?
10:25
